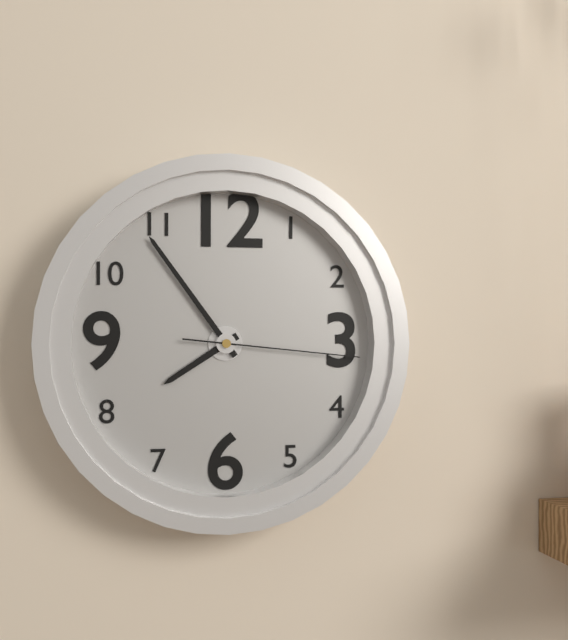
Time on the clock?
7:54:16
